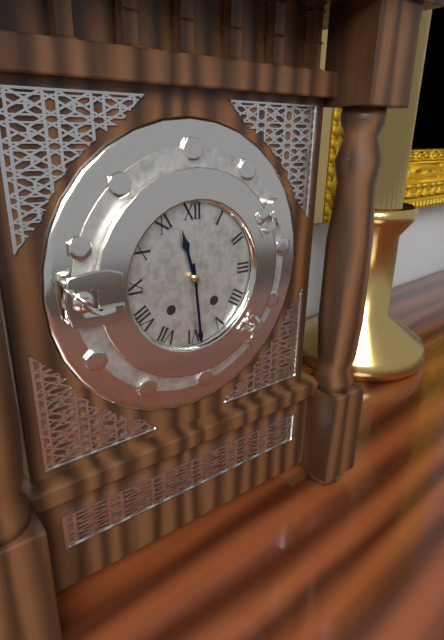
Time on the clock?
11:29
